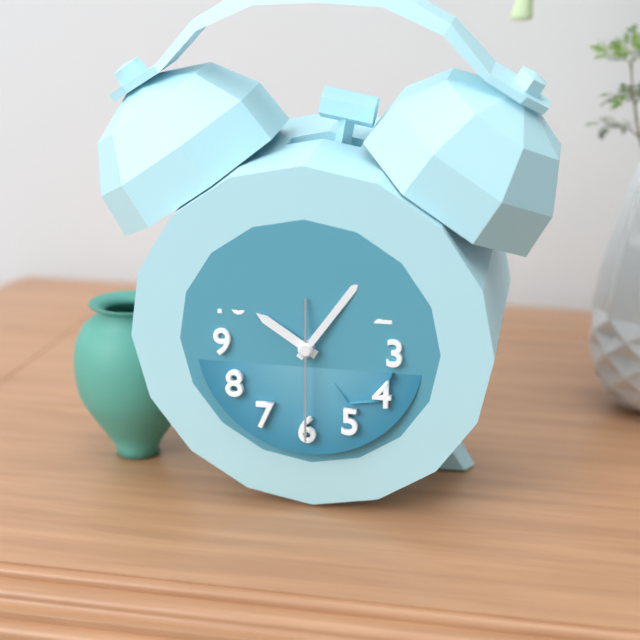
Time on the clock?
10:06:30
